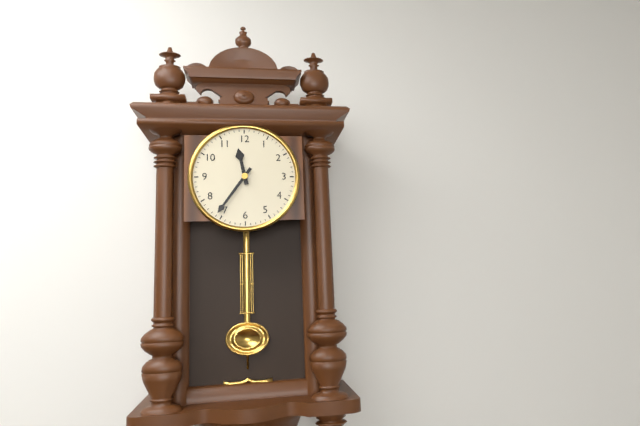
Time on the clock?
11:36
